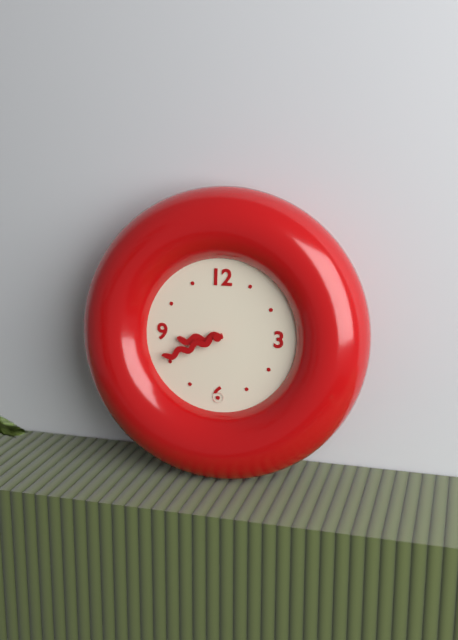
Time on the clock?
8:41
